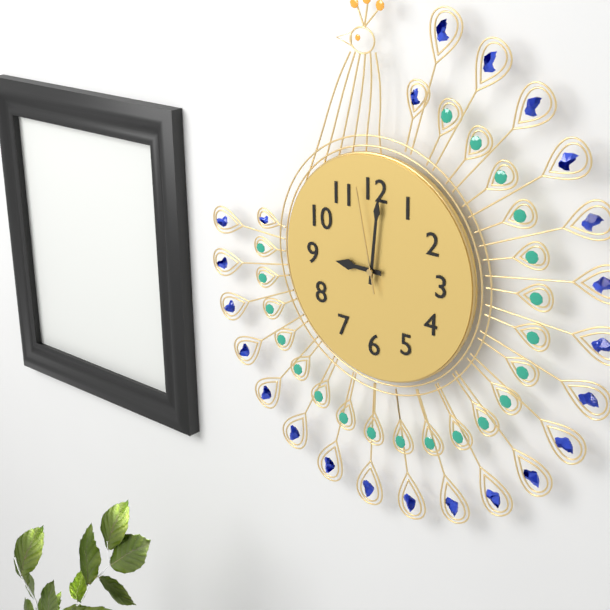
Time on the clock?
9:01:58
